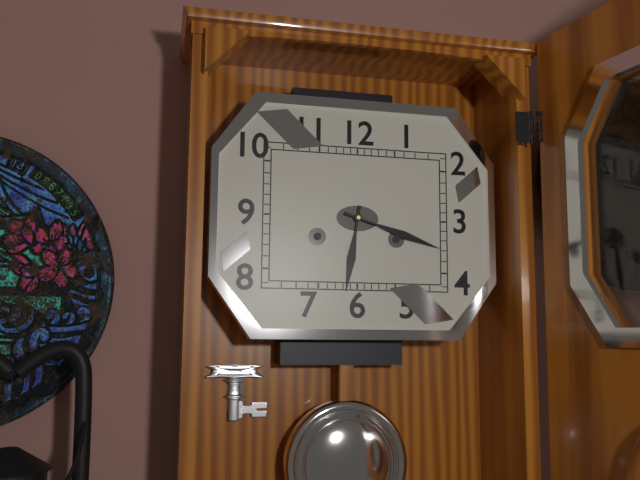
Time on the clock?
6:18
